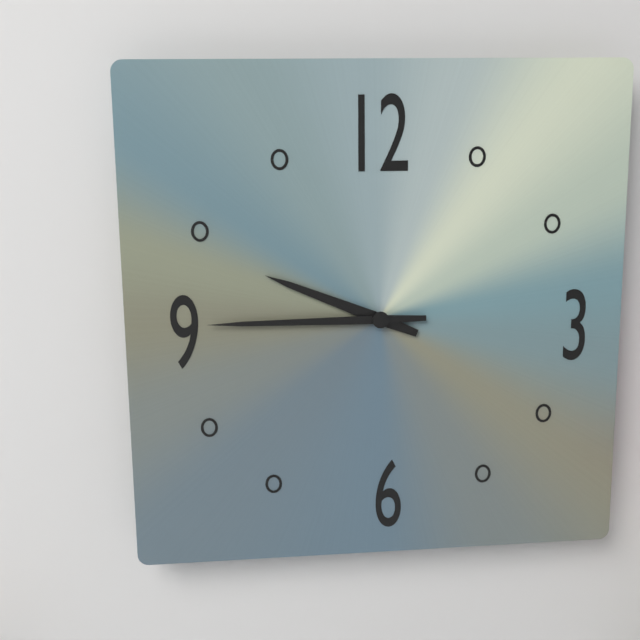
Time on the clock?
9:45
